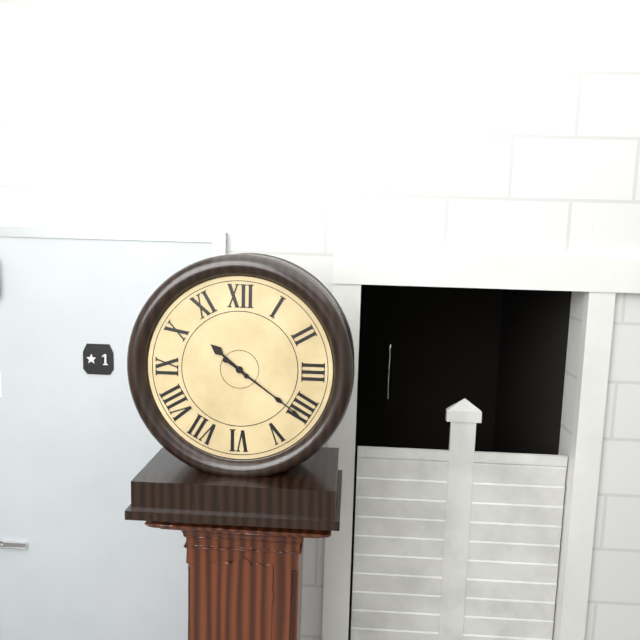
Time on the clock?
10:21
